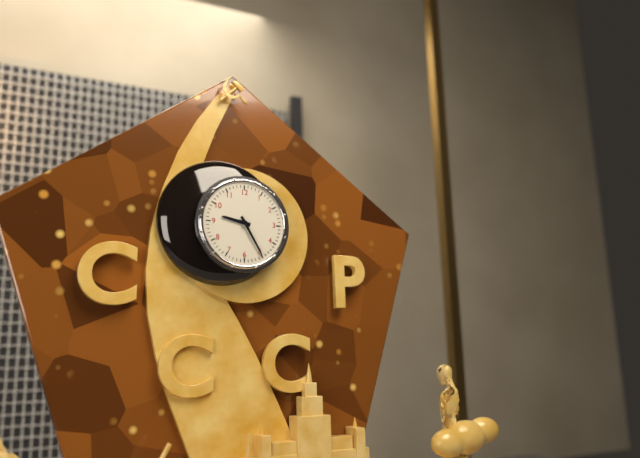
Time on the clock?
9:25
